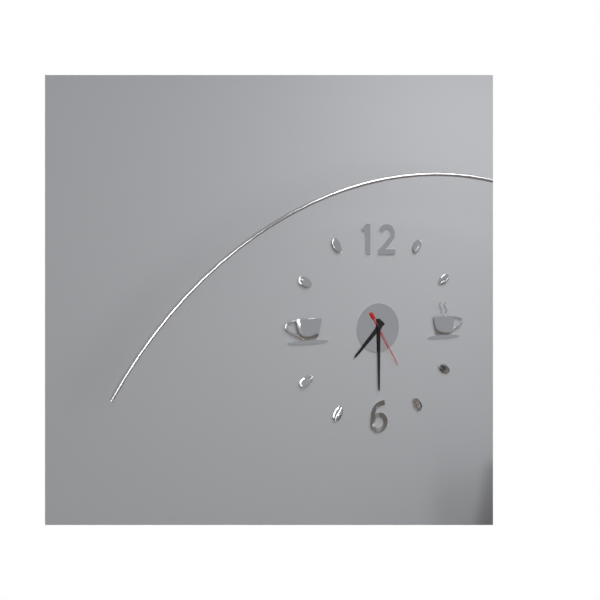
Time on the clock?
7:30:25
